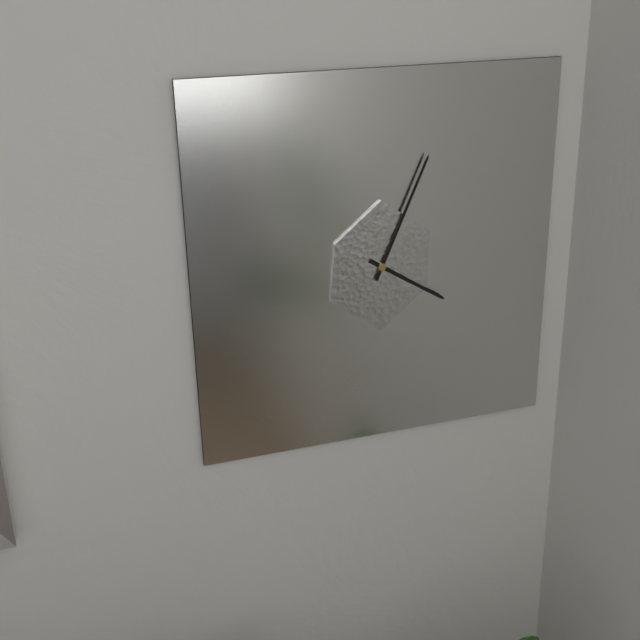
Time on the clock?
4:04
